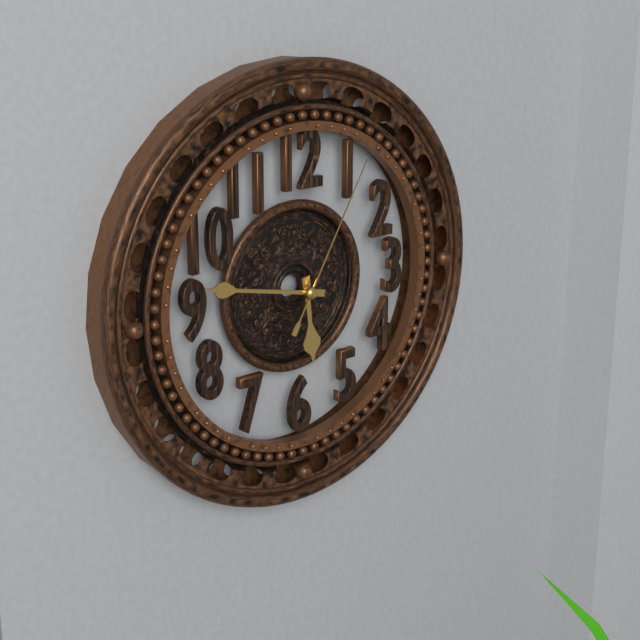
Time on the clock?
5:47:05
